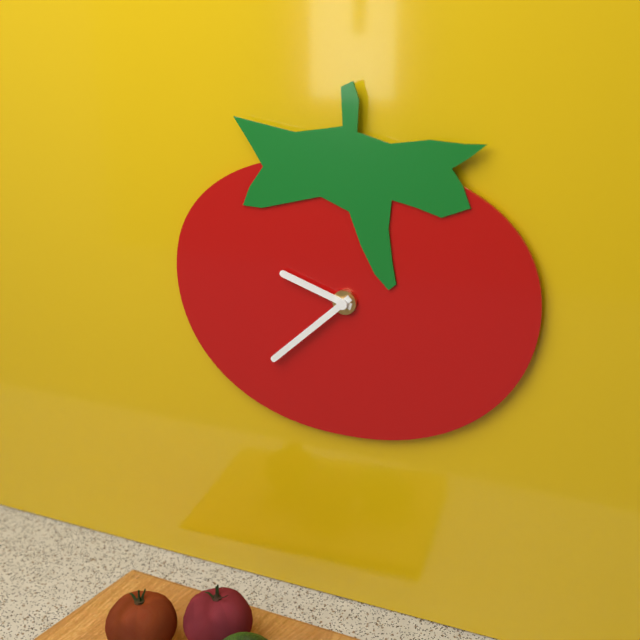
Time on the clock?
9:38
